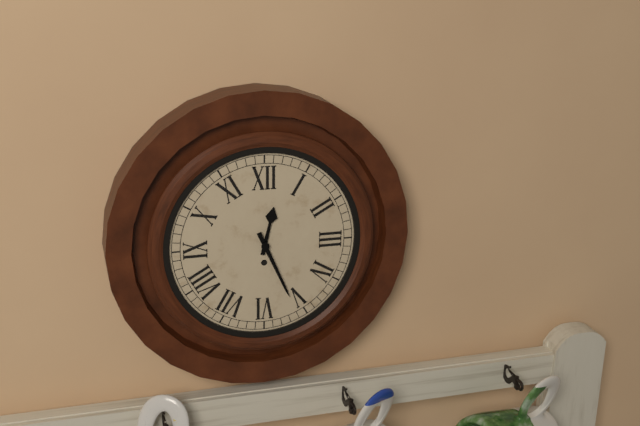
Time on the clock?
12:26
